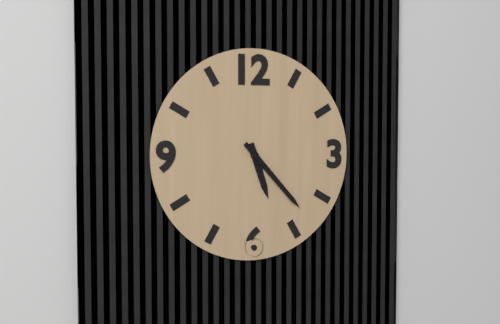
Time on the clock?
5:23
